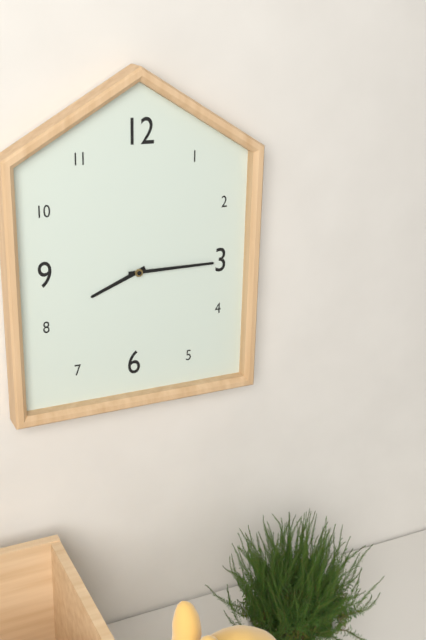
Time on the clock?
8:15
